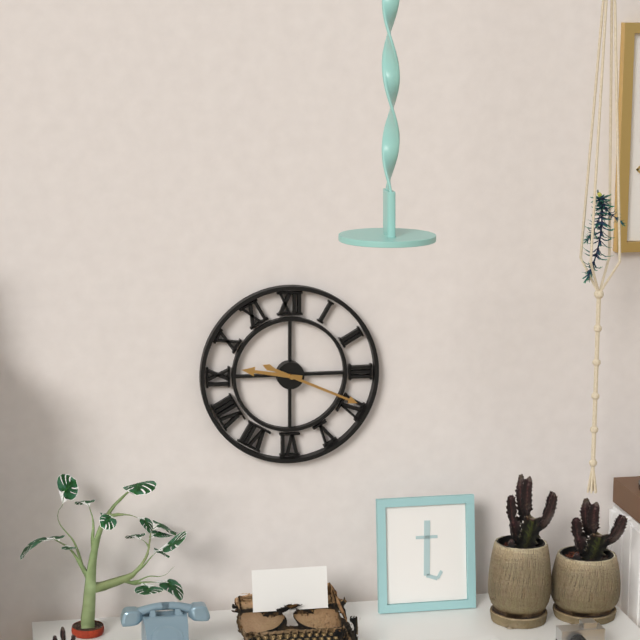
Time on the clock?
9:19
